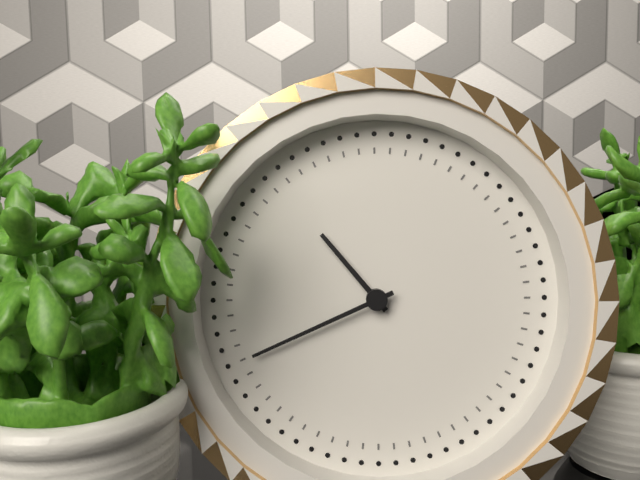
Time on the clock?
10:41
